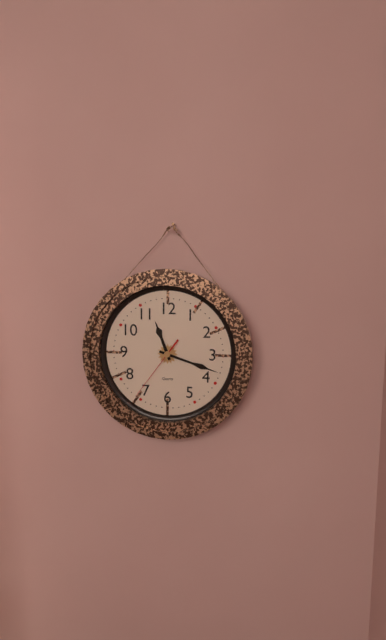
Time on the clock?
11:18:36
